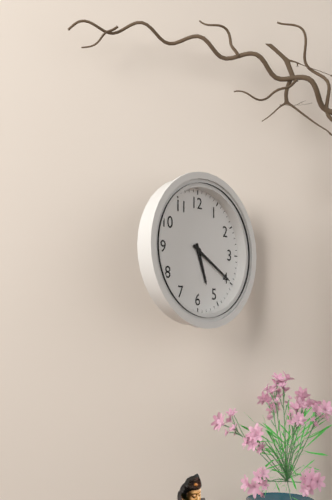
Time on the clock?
5:20
